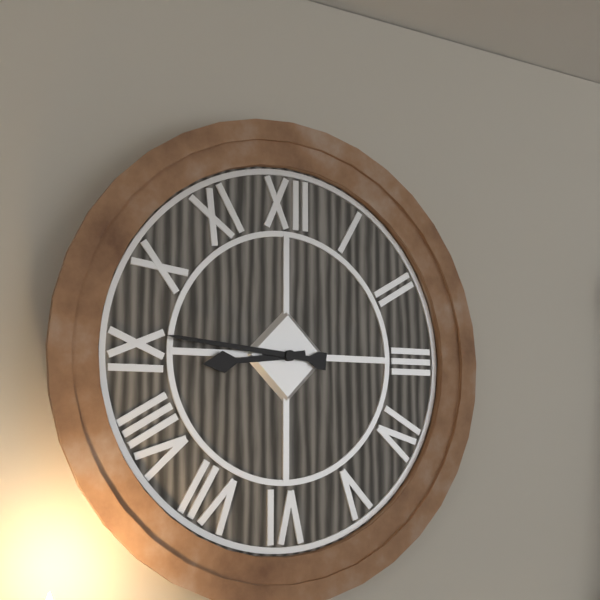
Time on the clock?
8:46
